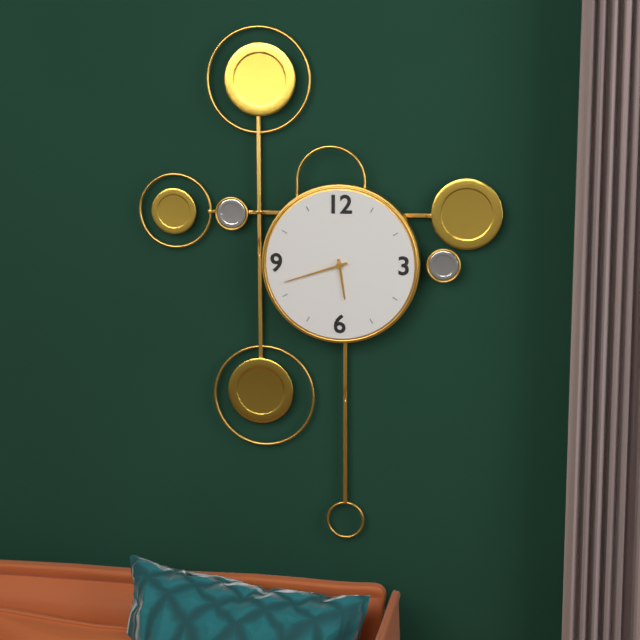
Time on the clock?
5:42
